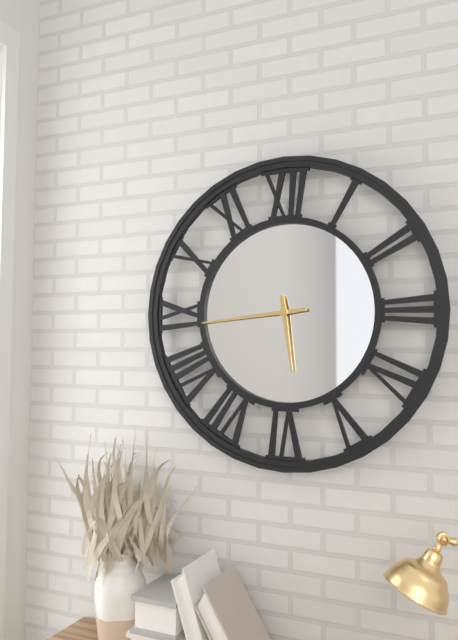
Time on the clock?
5:44
